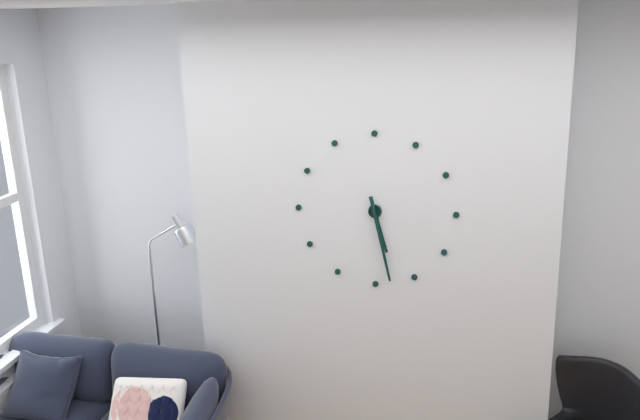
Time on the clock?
5:28
